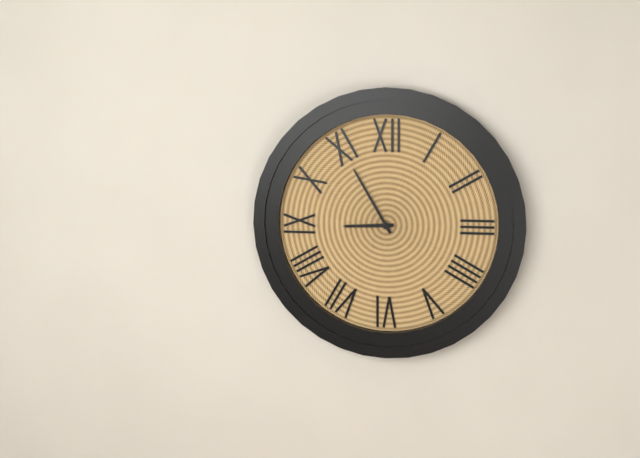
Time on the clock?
8:55
